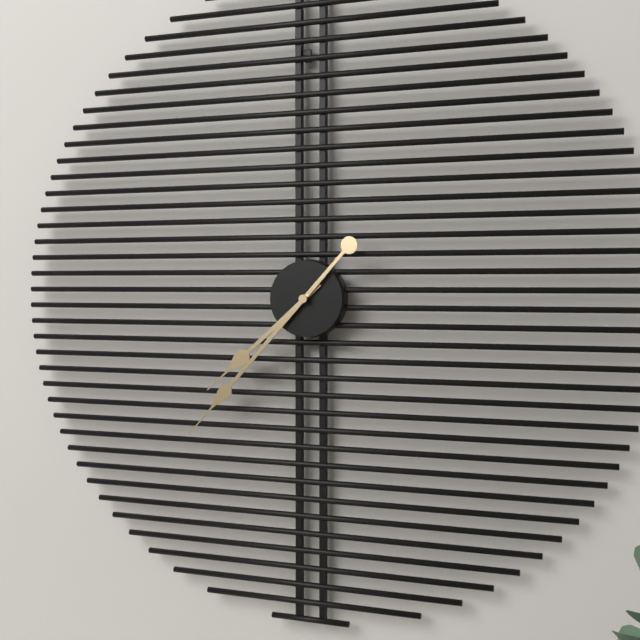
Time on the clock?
7:37
